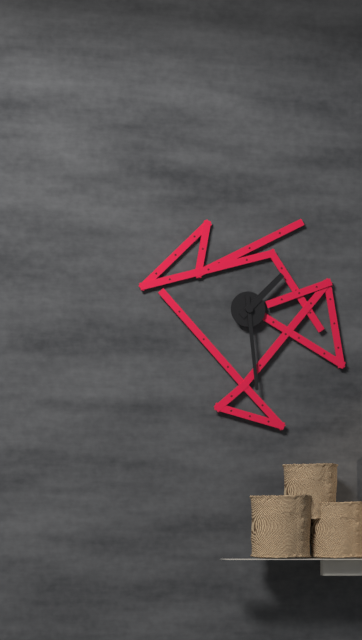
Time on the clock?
1:29
